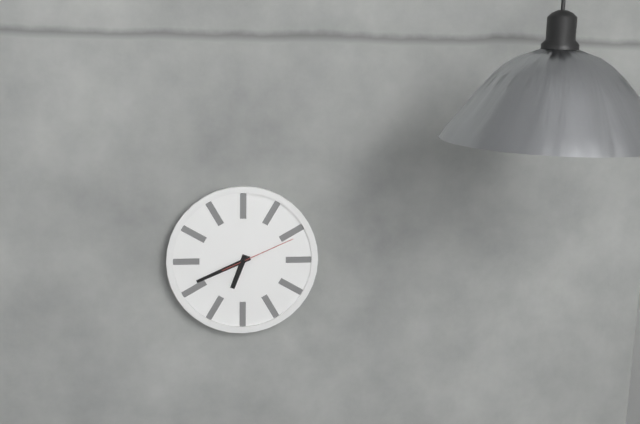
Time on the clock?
6:41:11
